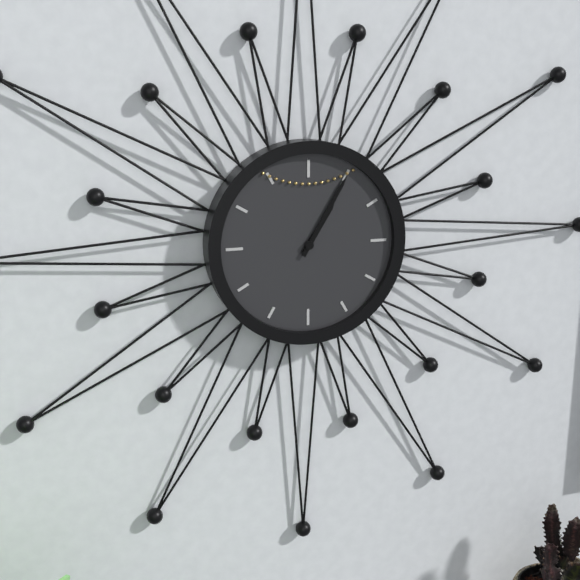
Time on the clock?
1:05
